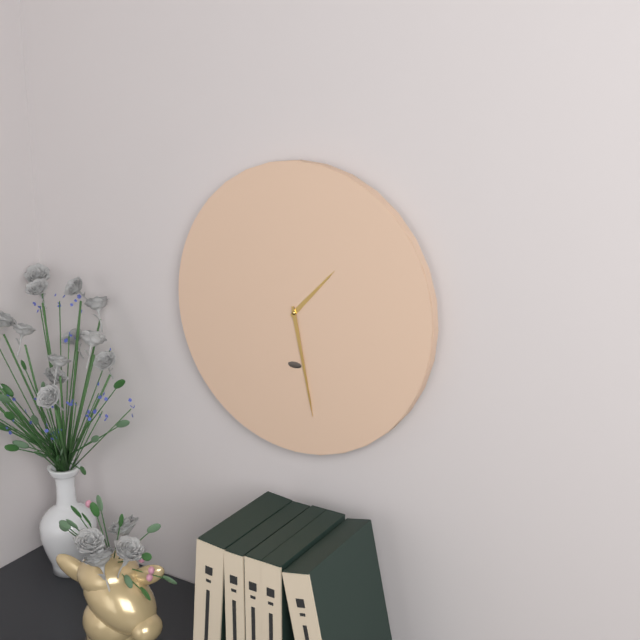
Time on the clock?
1:28
